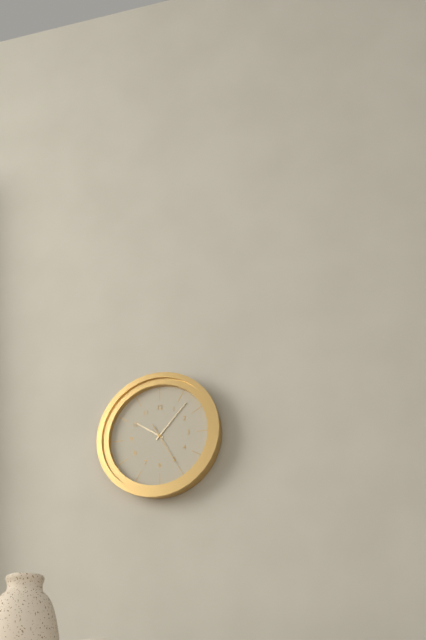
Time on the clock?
10:07
